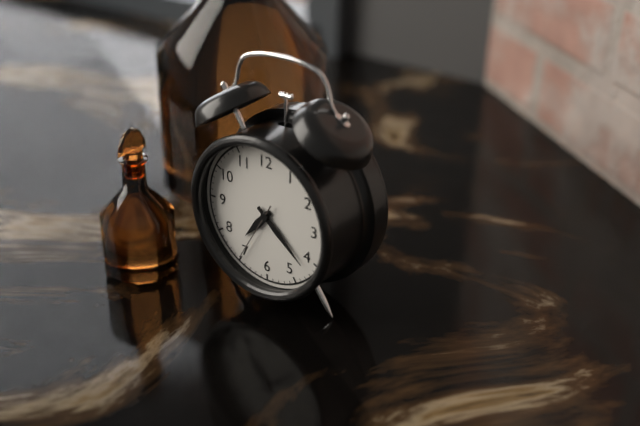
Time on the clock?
7:22:35
